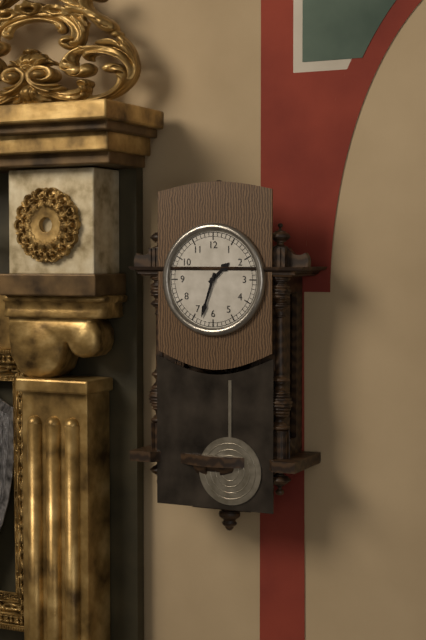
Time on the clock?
1:33
